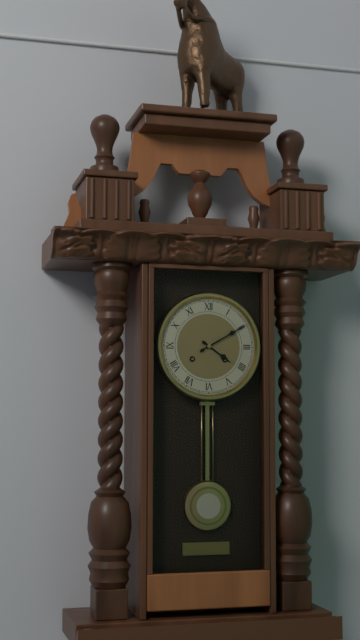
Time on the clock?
4:10
